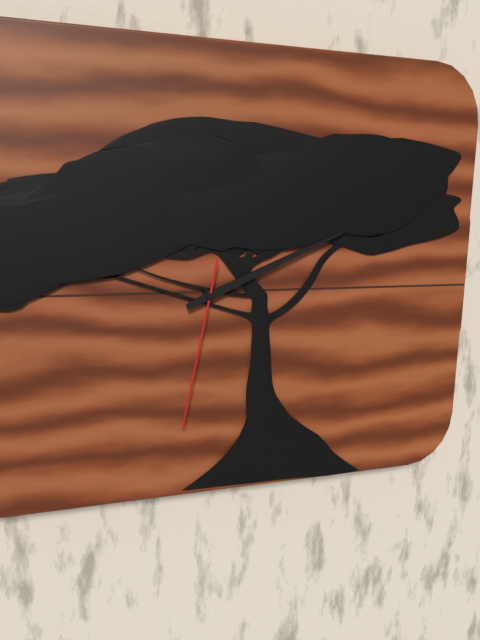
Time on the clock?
2:11:32
